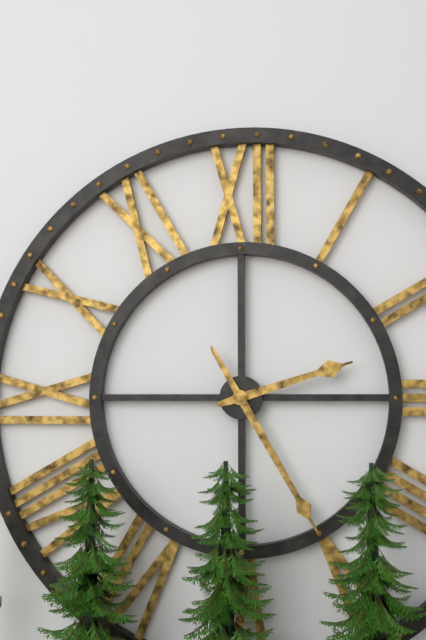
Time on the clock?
2:25
